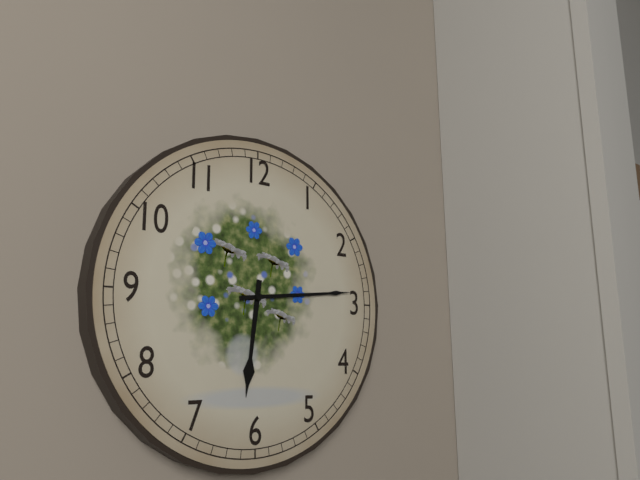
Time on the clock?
6:14
